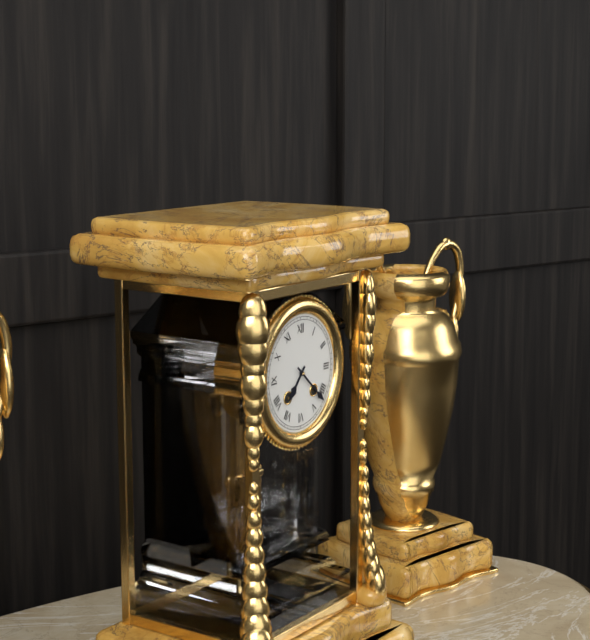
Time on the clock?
7:22
